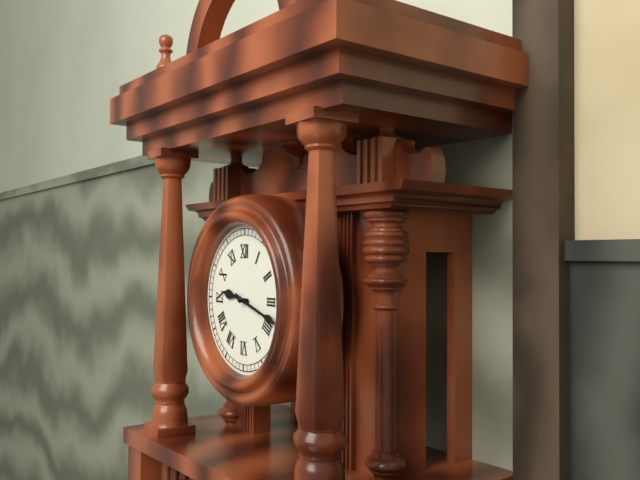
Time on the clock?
9:18
